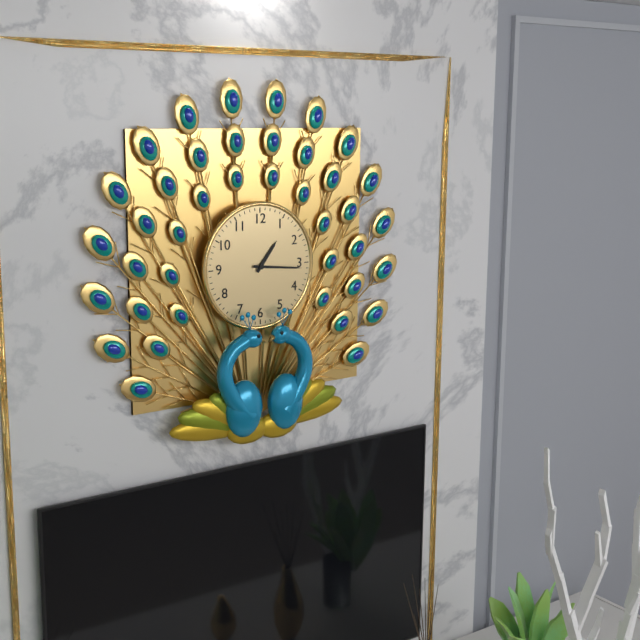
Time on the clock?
1:16
